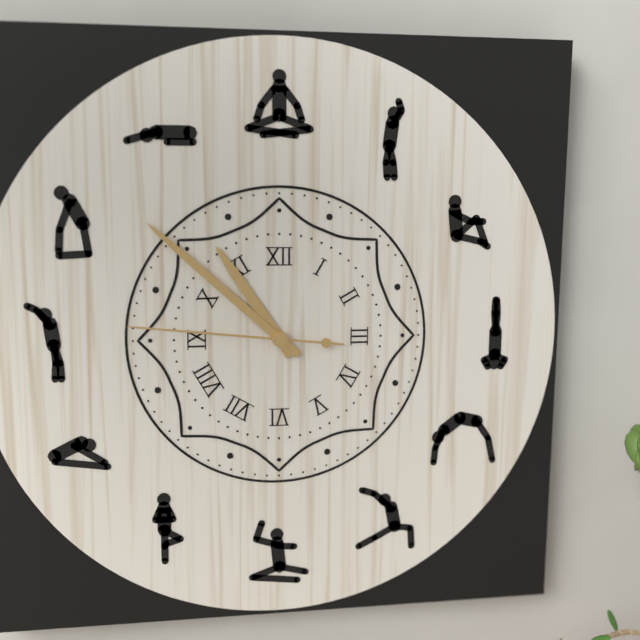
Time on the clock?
10:52:46
